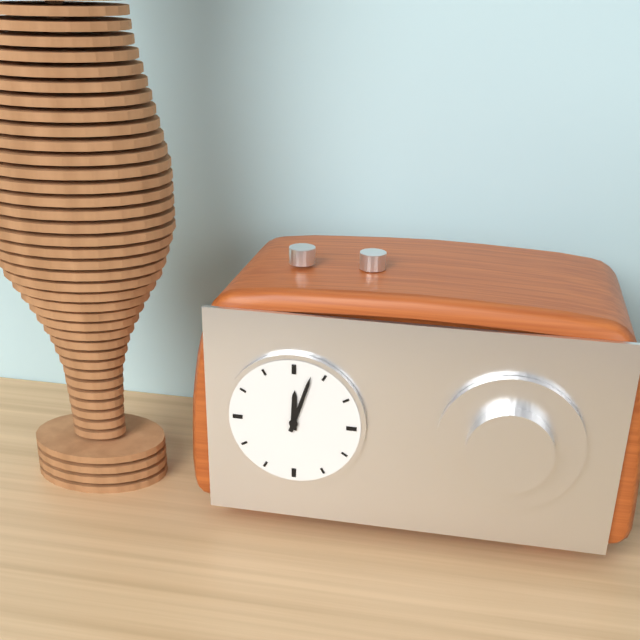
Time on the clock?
12:03
